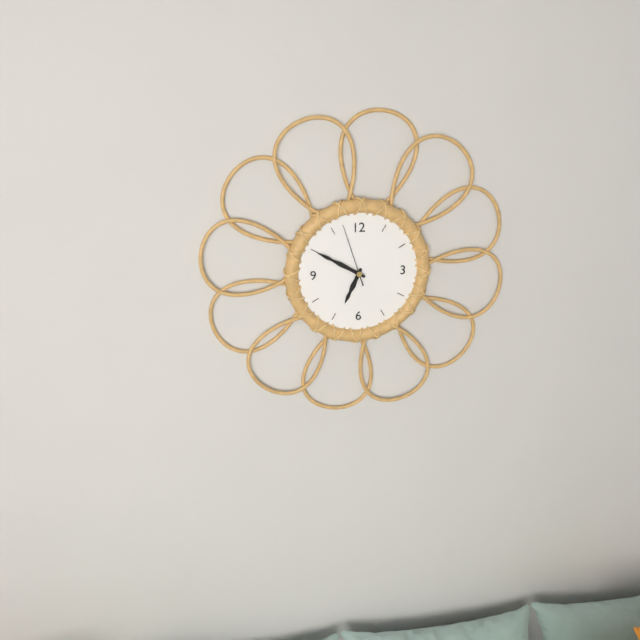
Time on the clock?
6:50:57
